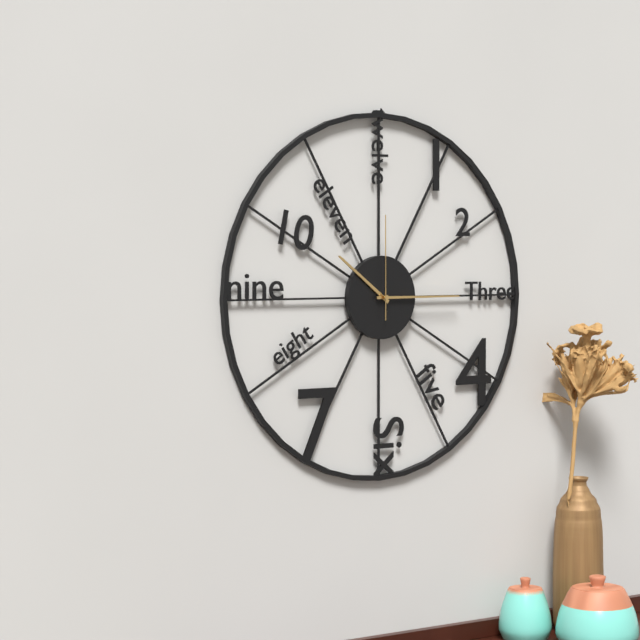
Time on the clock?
10:15:00
